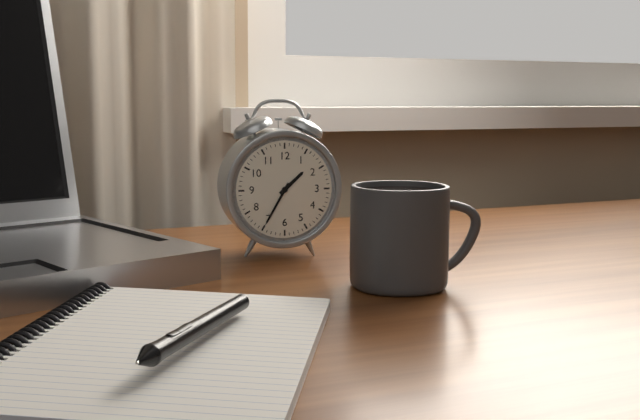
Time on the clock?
1:35
